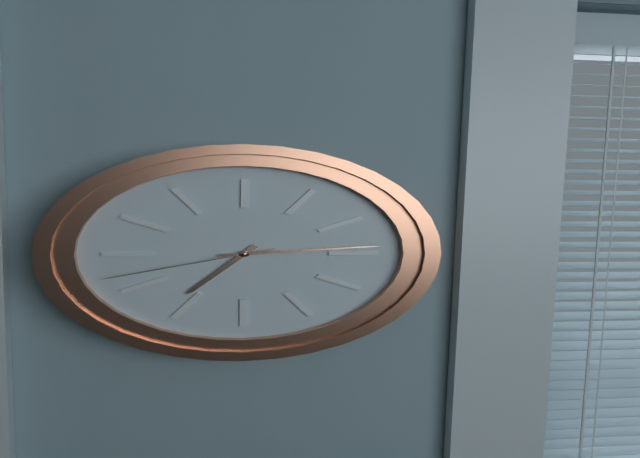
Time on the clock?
7:14:42
